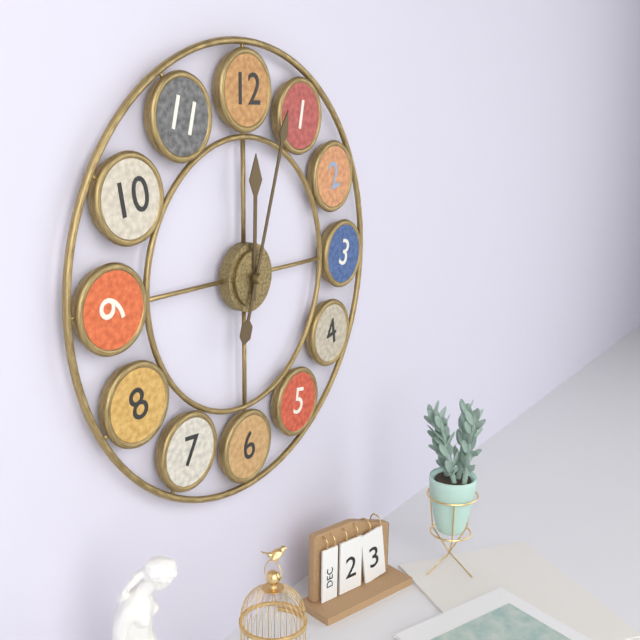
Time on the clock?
12:03
